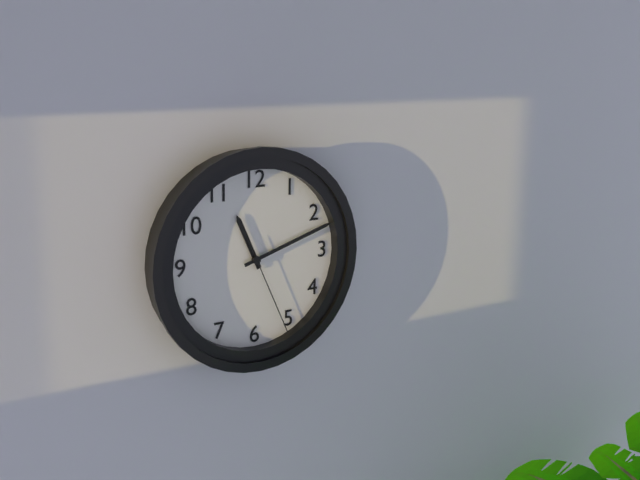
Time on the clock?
11:12:26
